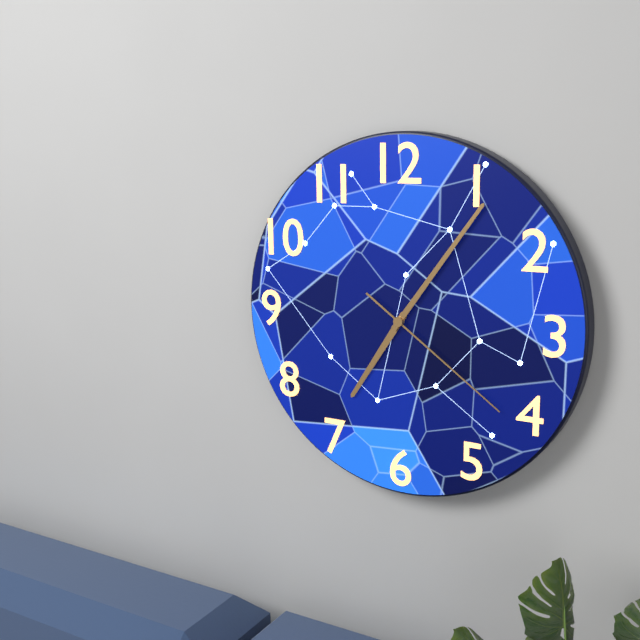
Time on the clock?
7:06:21
